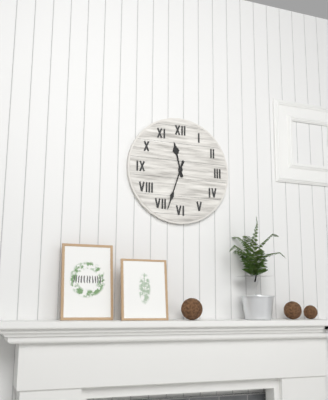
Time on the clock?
11:33
